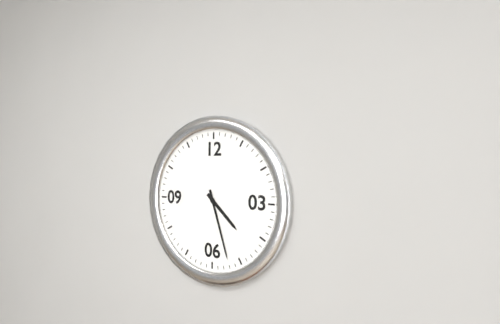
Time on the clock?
4:27
